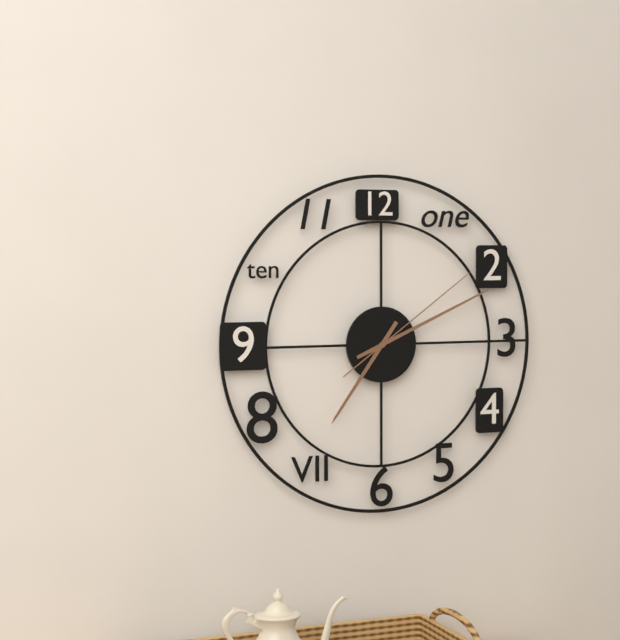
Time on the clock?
7:11:09
